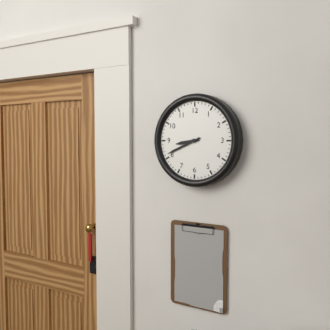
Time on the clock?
8:41
